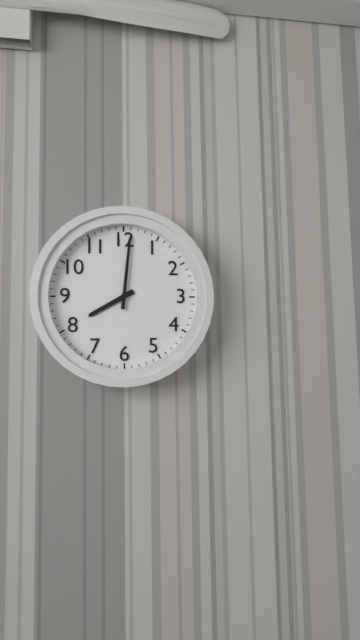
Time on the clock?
8:01
